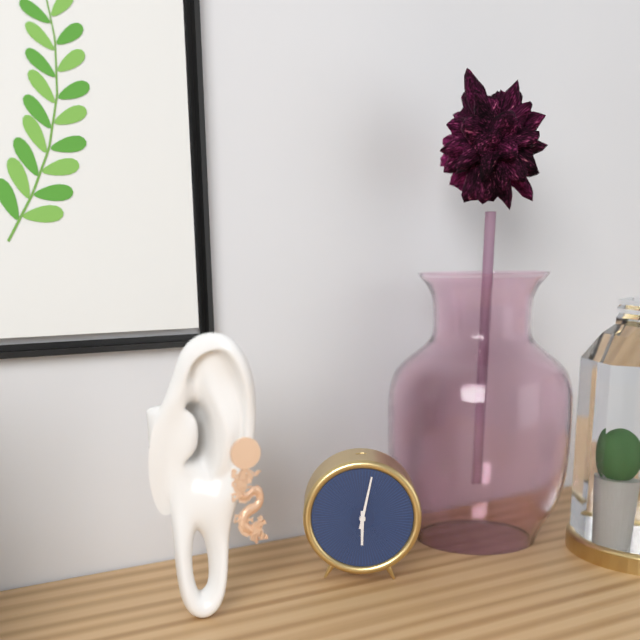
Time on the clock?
6:02
